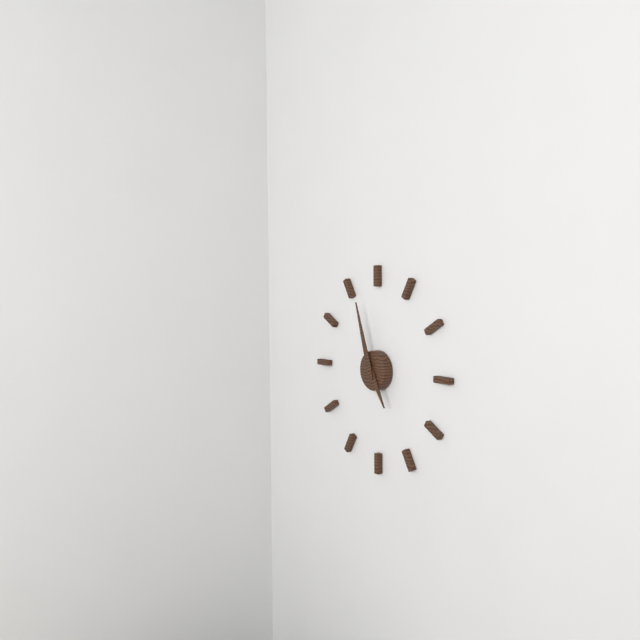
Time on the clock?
4:57
